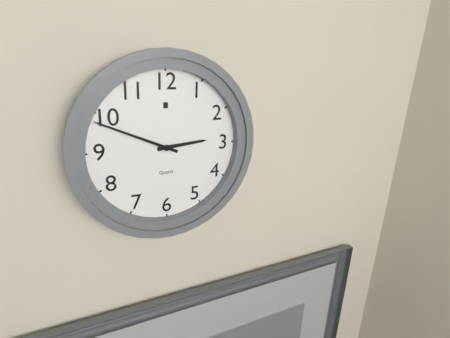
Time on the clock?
2:49
